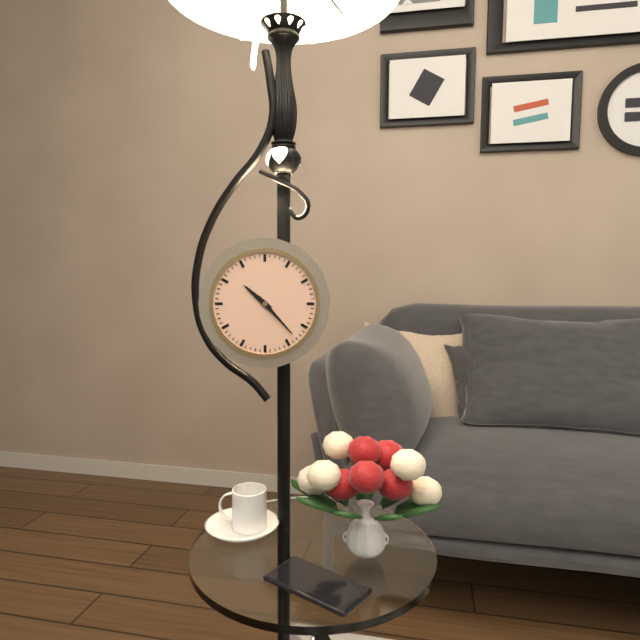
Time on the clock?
10:23
